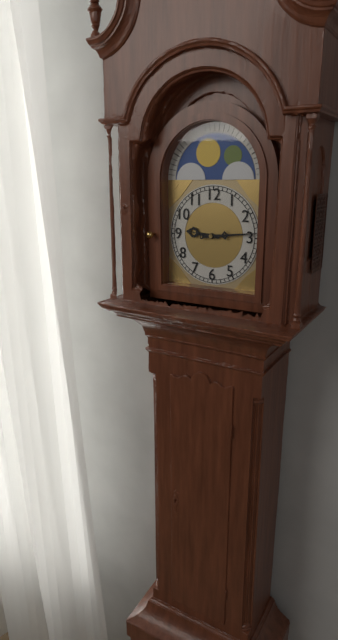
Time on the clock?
9:14
